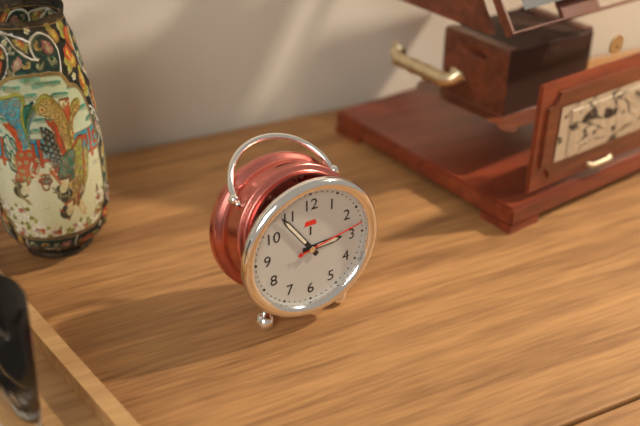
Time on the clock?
2:54:13
